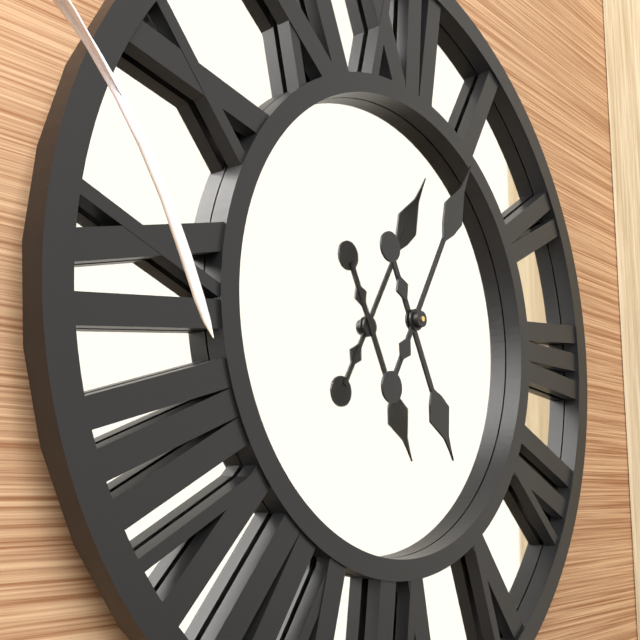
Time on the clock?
5:05
